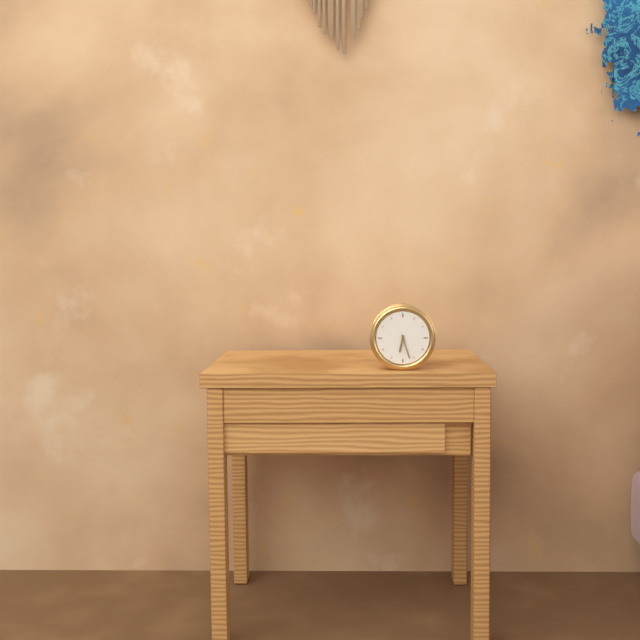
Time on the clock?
6:27
